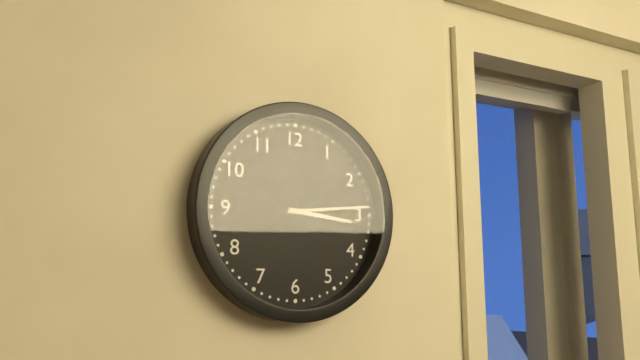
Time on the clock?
3:14
